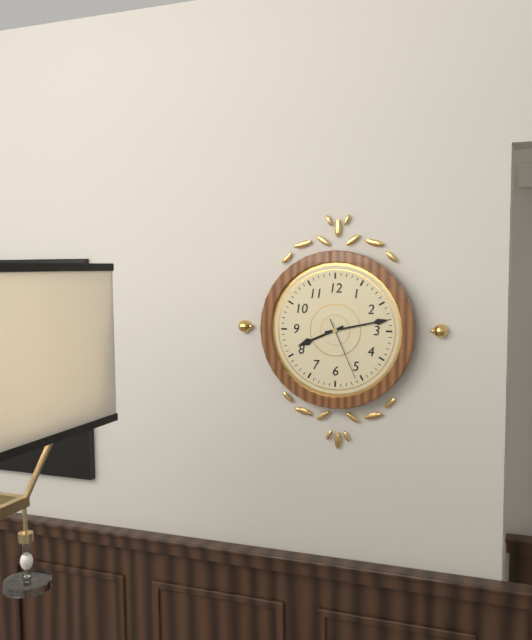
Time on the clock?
8:13:26
